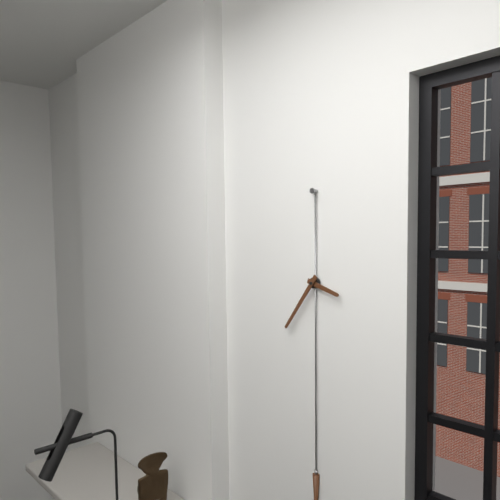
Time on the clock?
3:36
